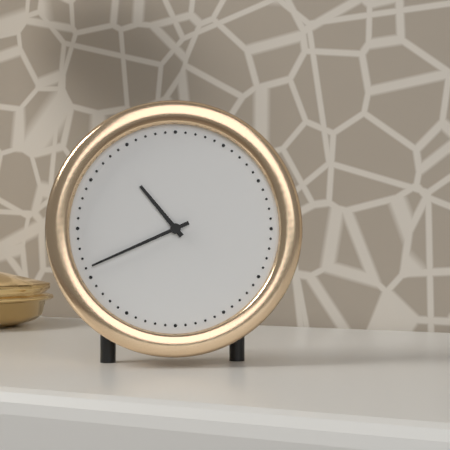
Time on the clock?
10:41
